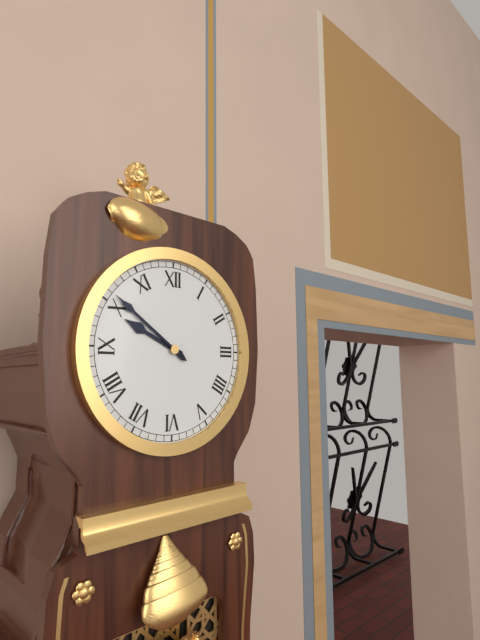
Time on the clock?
9:51
